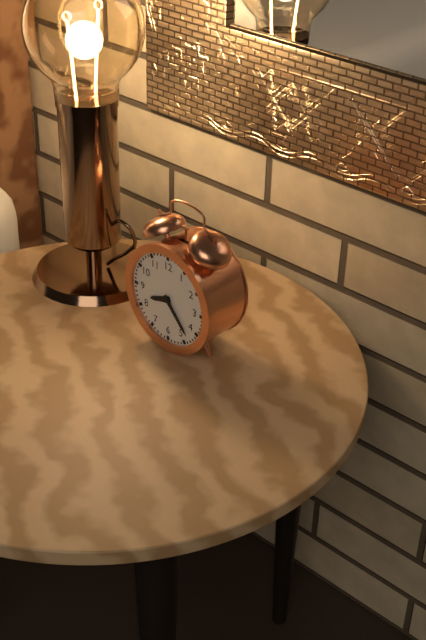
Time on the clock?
8:23
